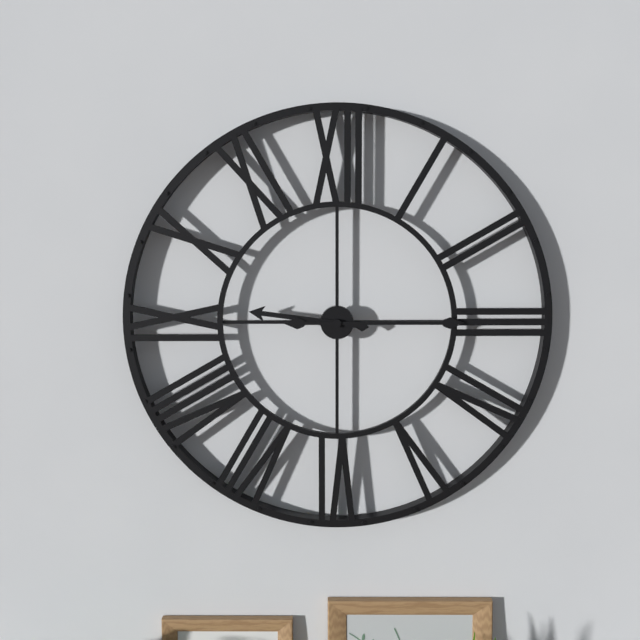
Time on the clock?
9:15
